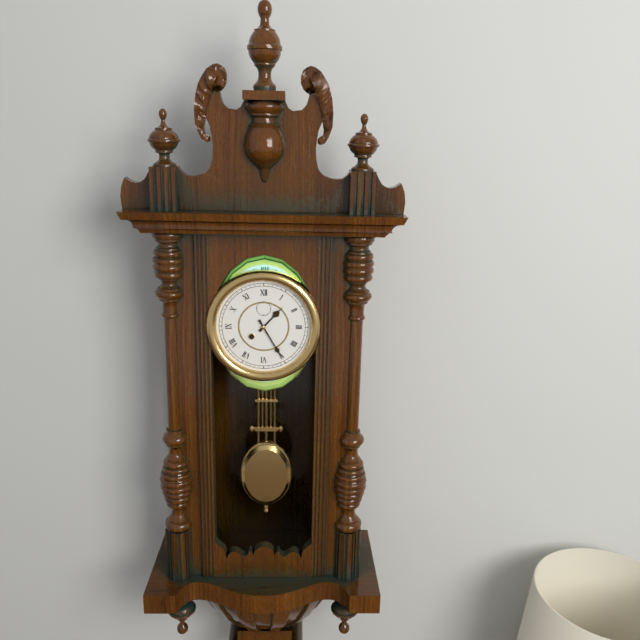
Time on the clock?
1:25
